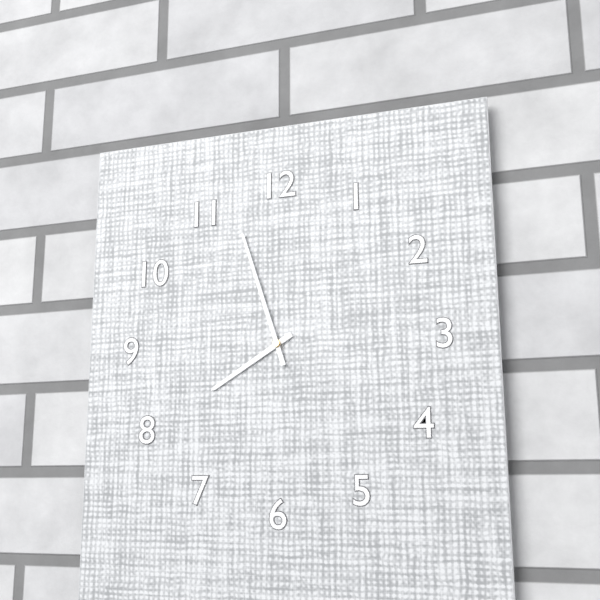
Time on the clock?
7:57
